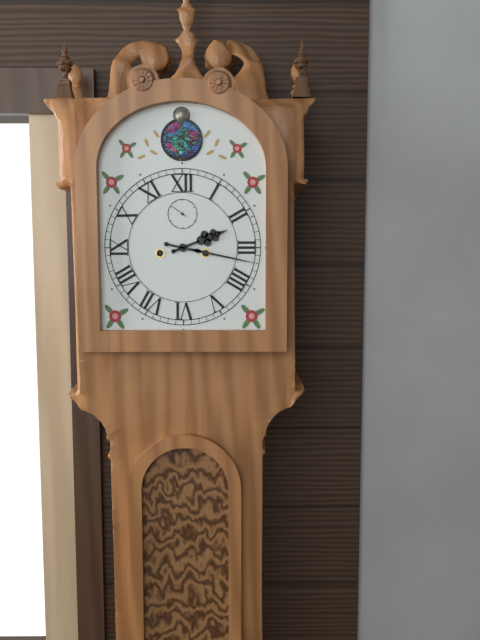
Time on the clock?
2:17
